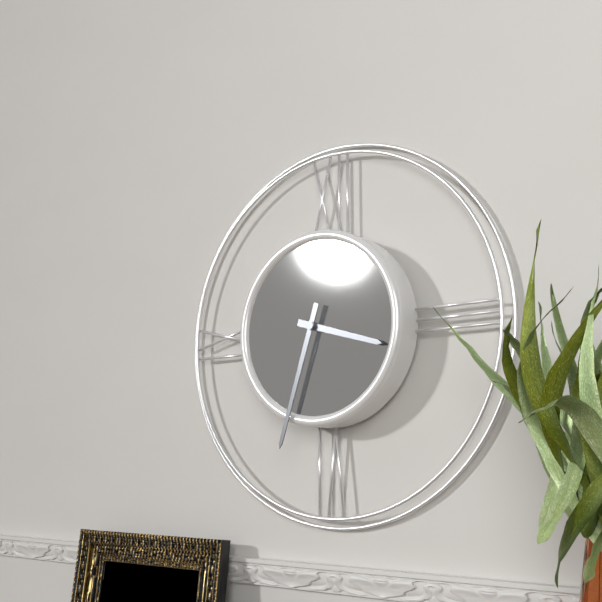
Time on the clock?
3:33
